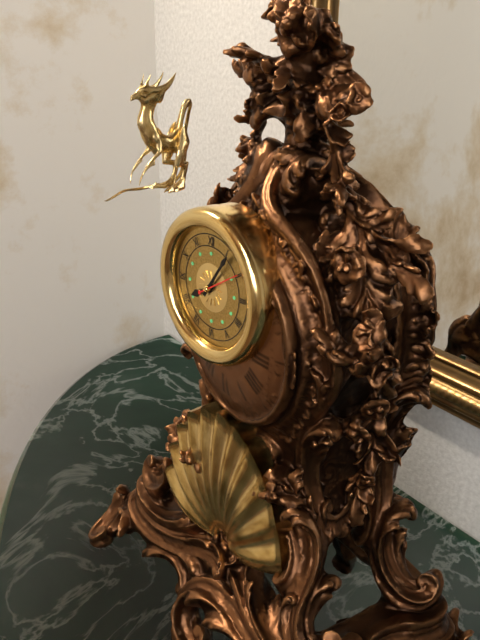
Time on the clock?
8:06
